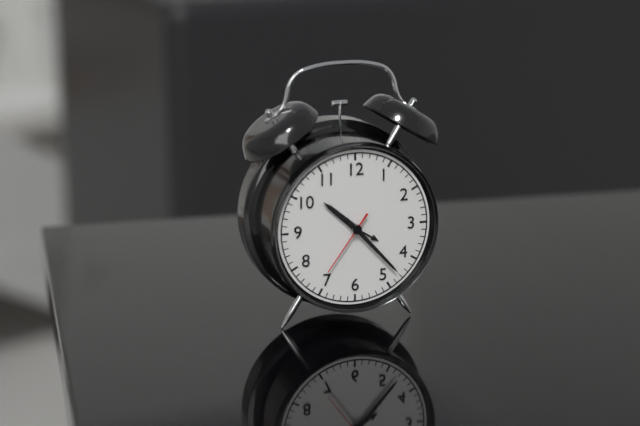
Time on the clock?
10:23:36
